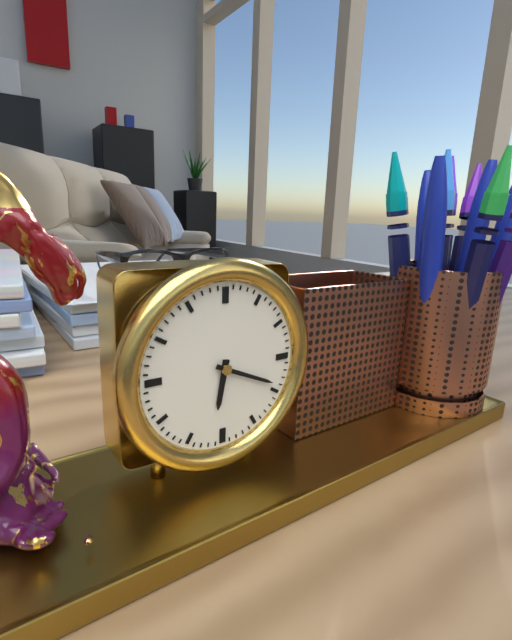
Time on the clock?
6:19
